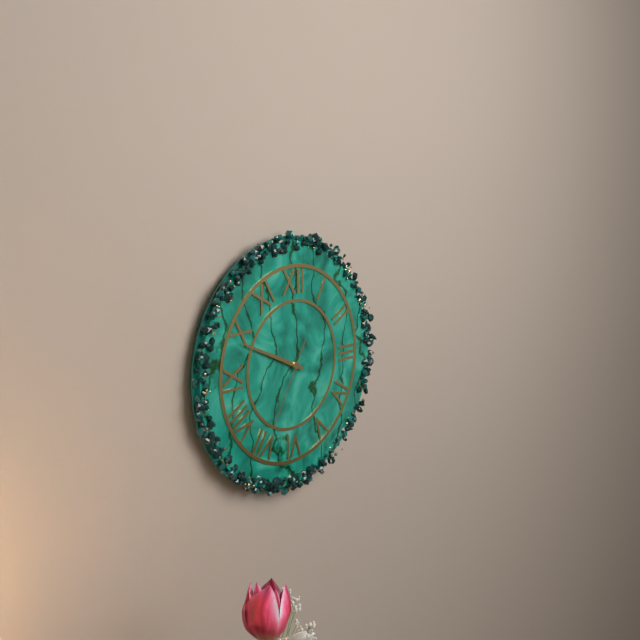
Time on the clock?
9:49:35
